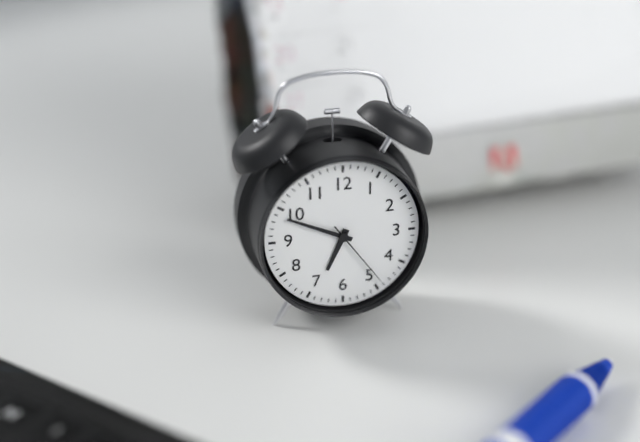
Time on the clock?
6:49:24
